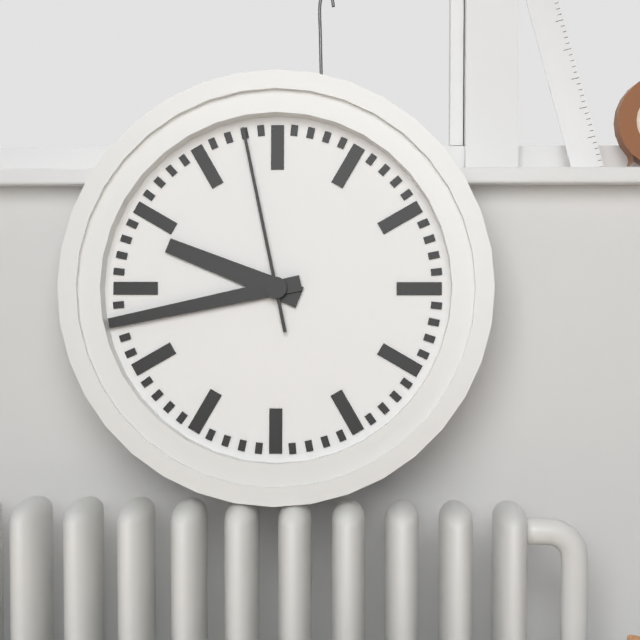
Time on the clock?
9:43:58
